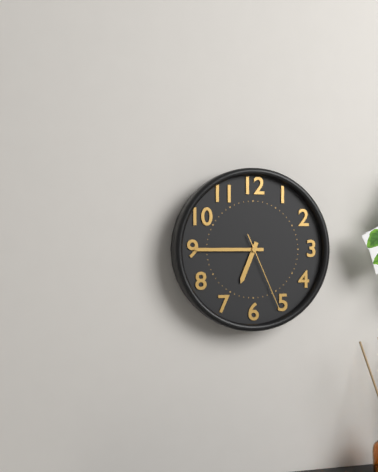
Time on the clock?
6:45:26
